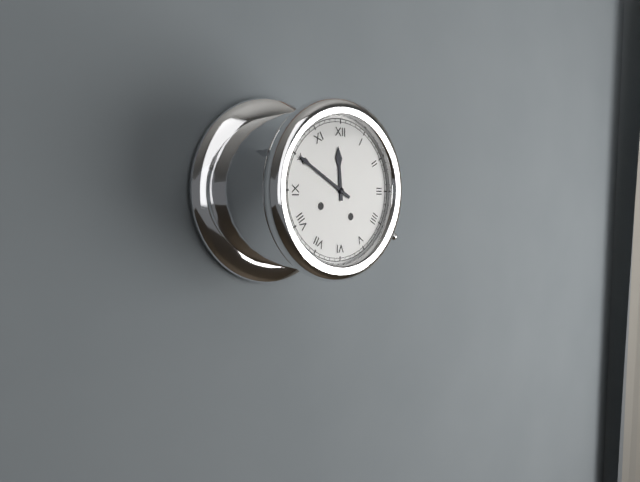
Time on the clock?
11:50
